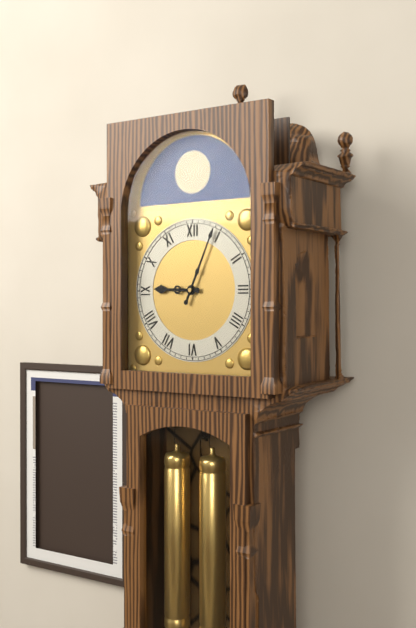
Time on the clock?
9:04
